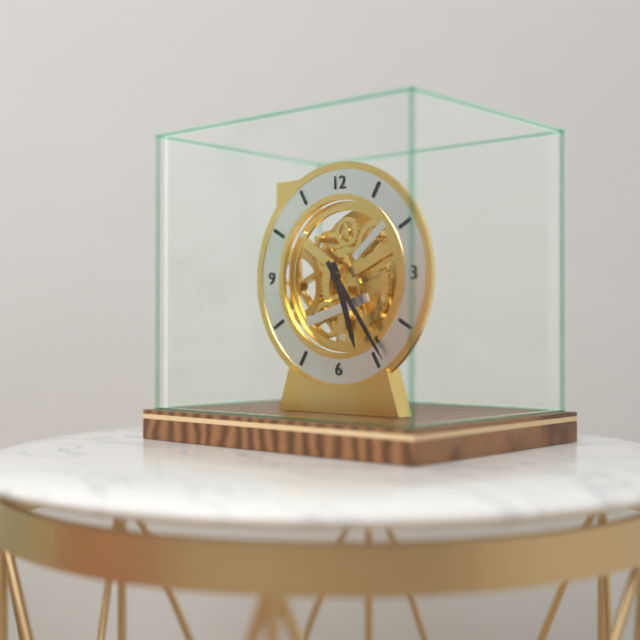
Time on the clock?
5:24
